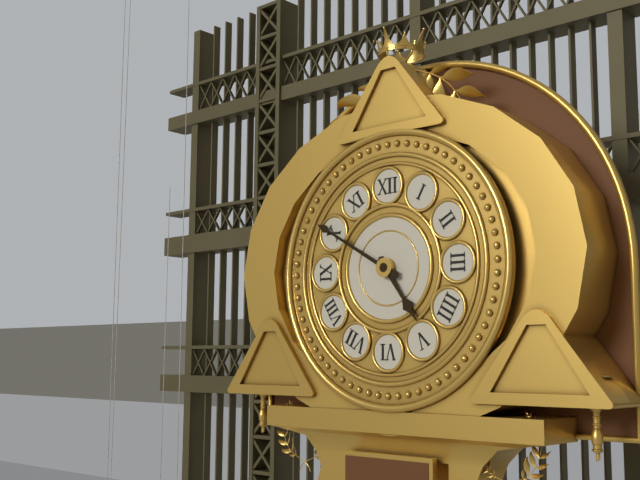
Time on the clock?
4:50
